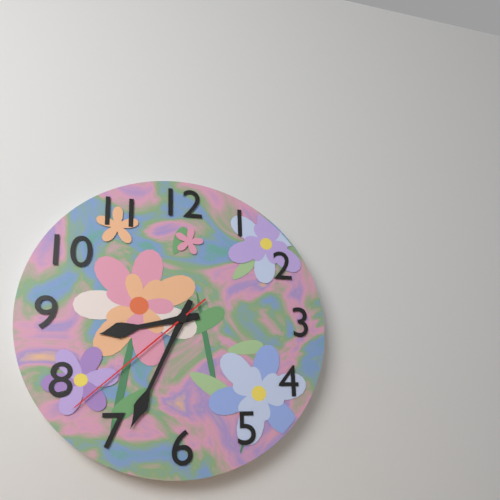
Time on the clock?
8:34:38
